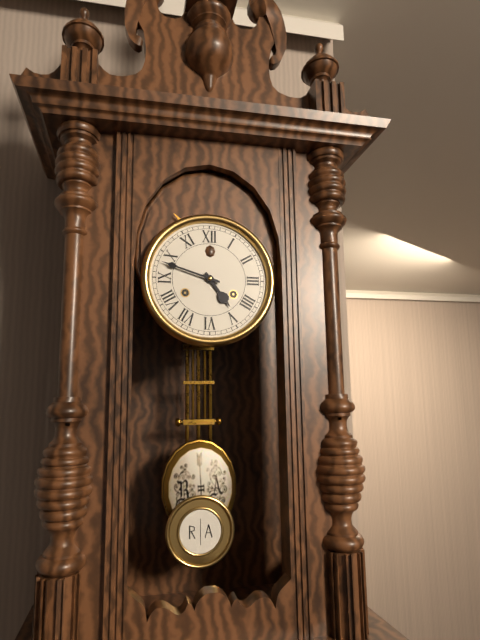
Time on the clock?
4:48
